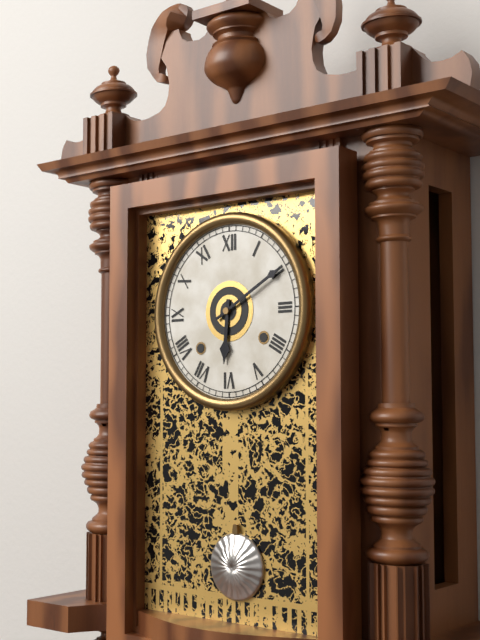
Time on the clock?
6:10
